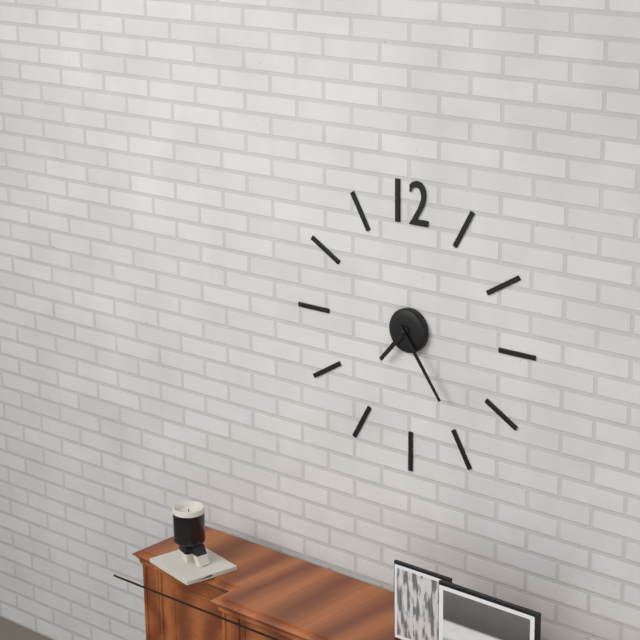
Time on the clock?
7:24
